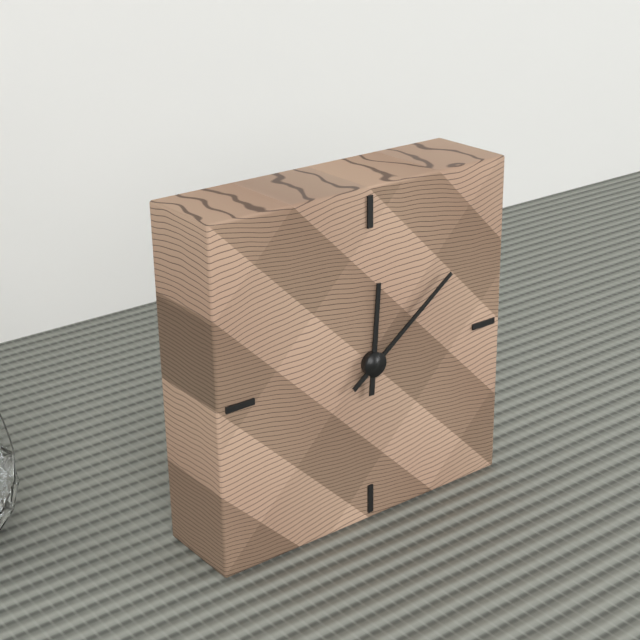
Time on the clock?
12:09
